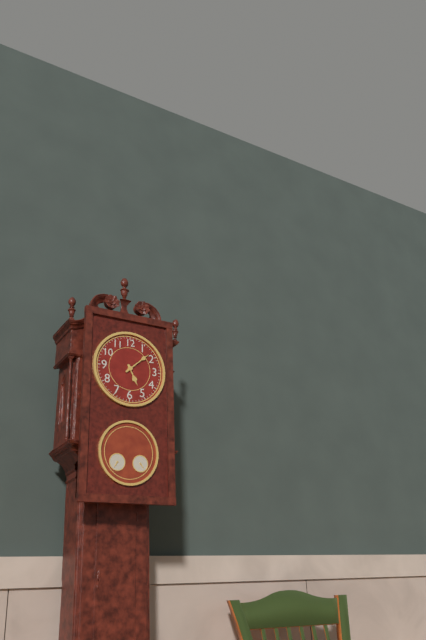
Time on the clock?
5:08
